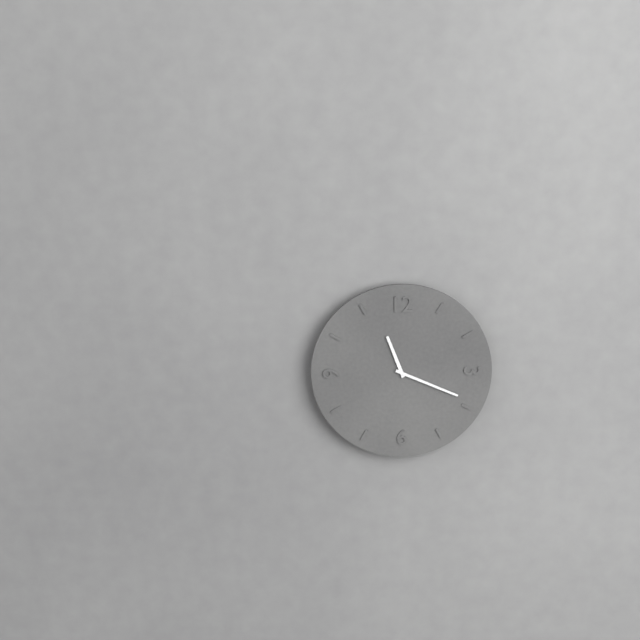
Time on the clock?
11:19
